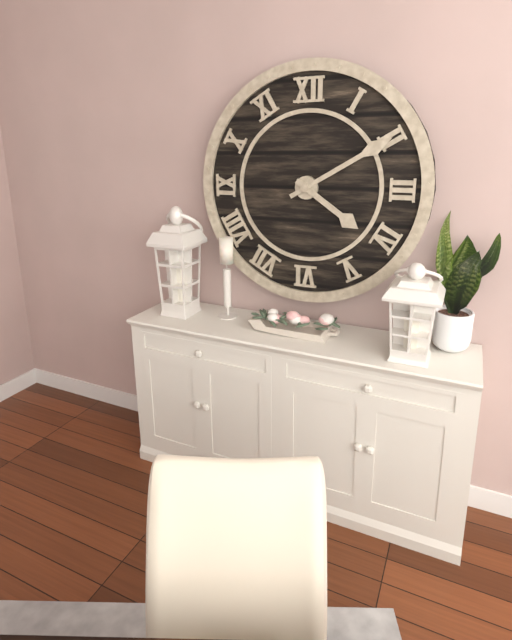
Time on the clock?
4:10
